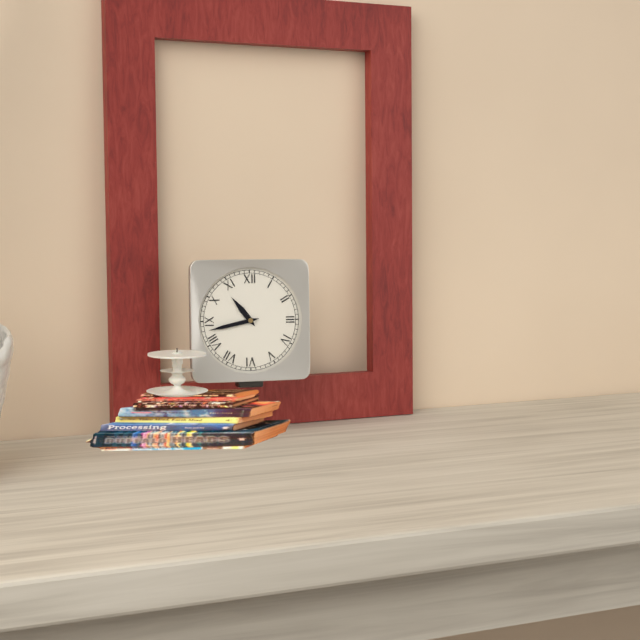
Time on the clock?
10:43
